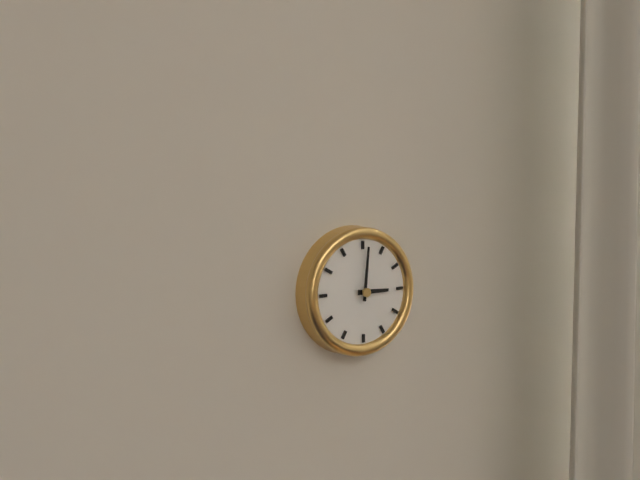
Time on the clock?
3:01
